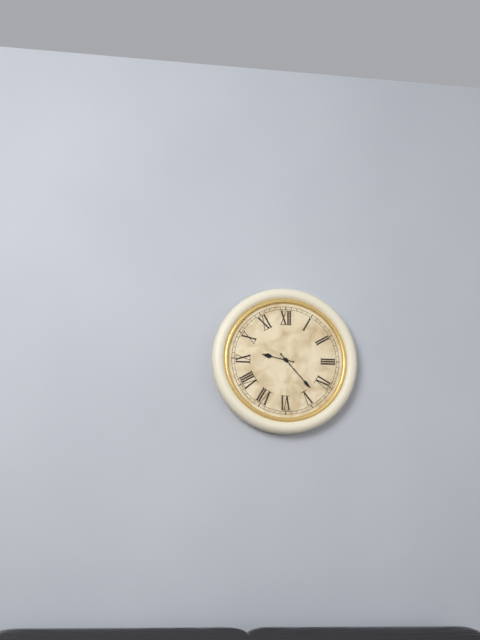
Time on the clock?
9:23
